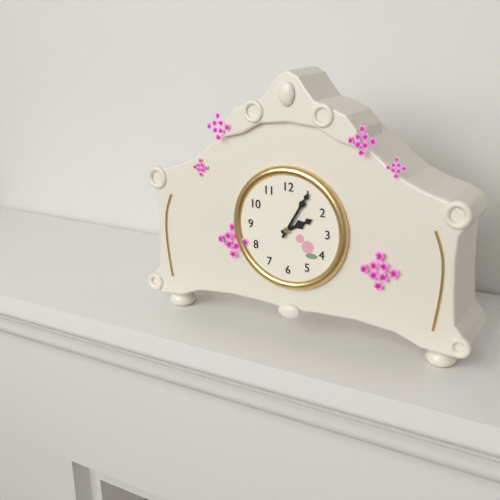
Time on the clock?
2:05
